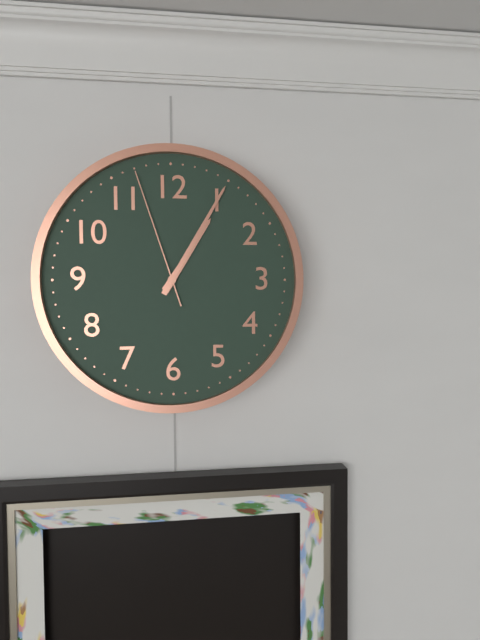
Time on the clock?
1:05:57
